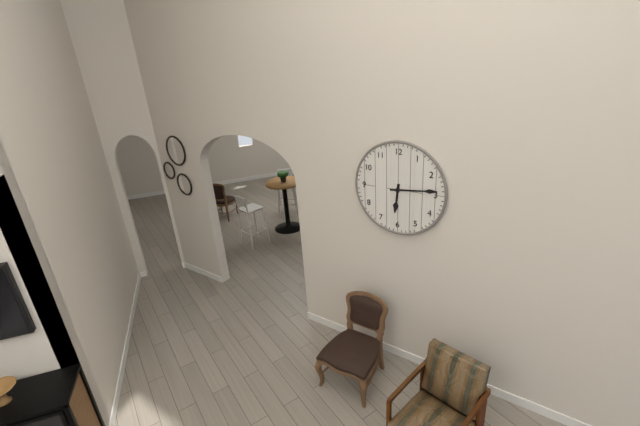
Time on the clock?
6:14
